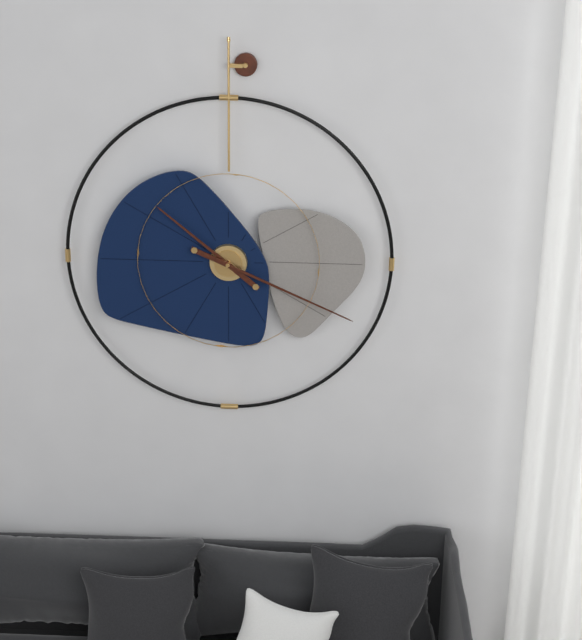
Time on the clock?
10:19
